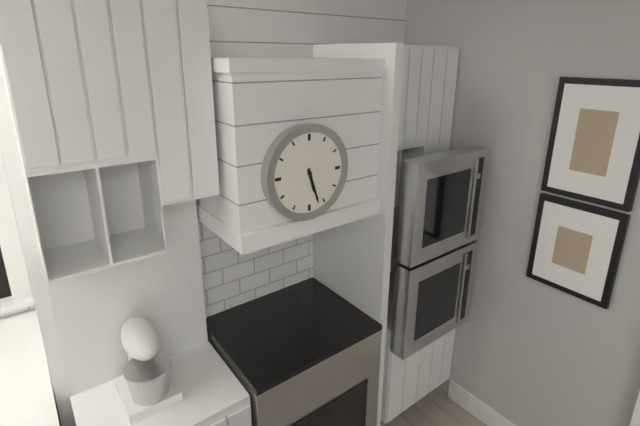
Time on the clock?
5:27
